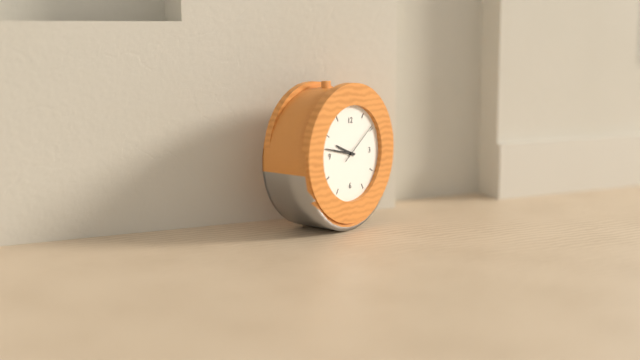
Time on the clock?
9:47
